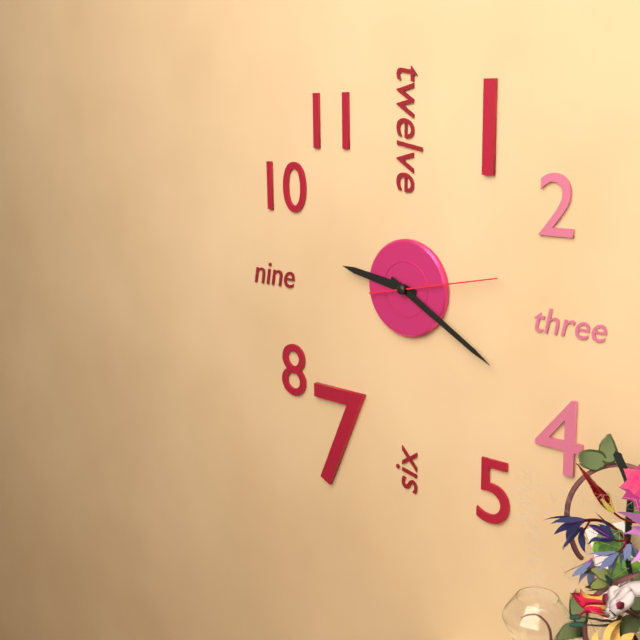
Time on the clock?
9:20:13
